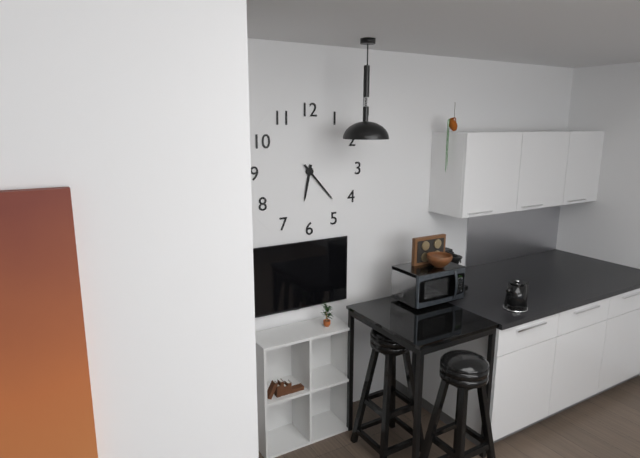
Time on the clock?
6:23
